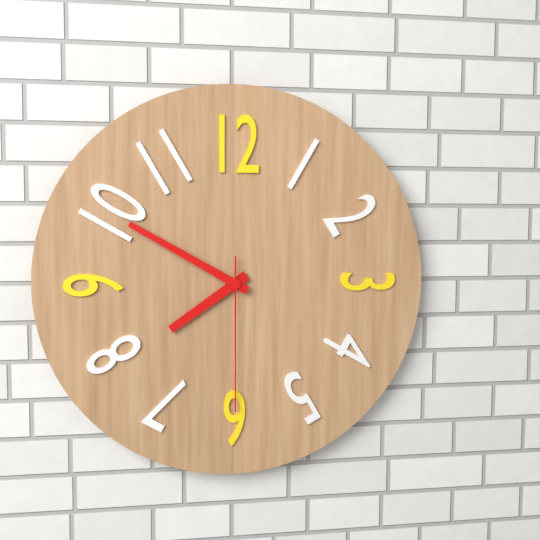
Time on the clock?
7:50:30
